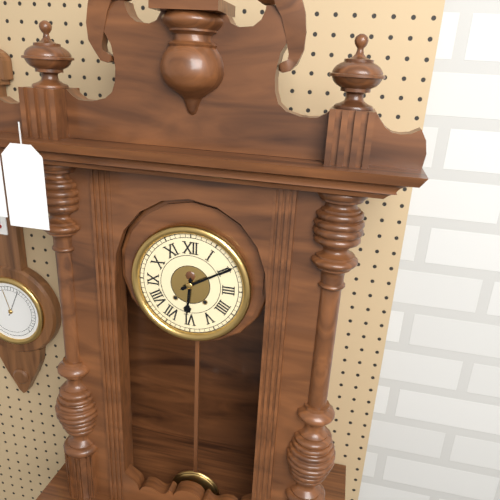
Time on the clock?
6:10
